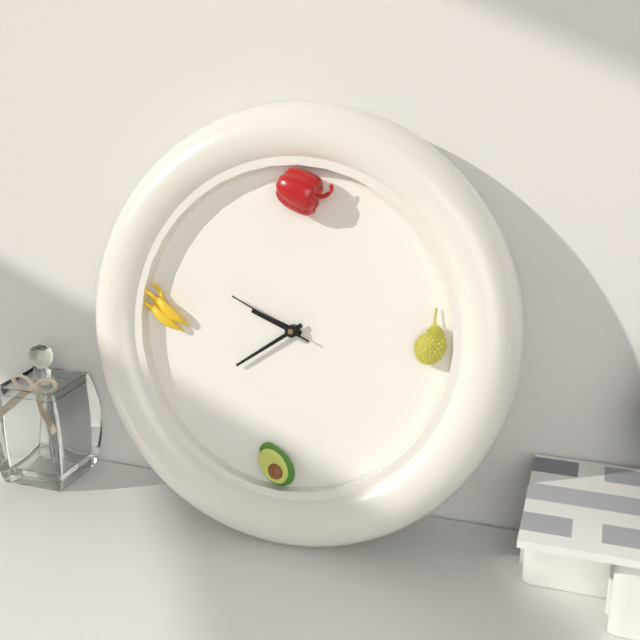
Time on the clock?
9:39:49
